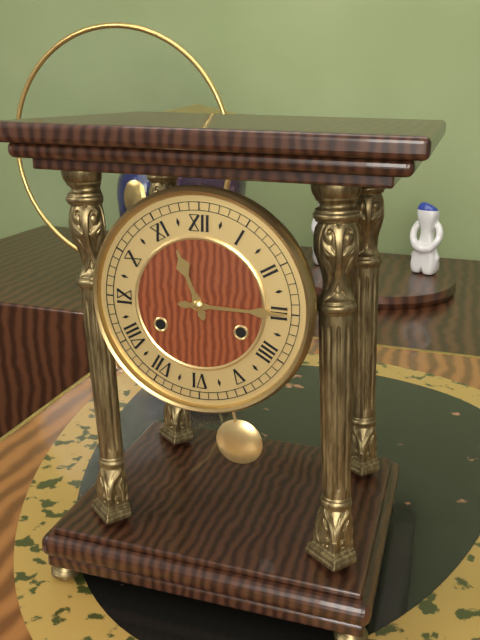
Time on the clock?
11:15
